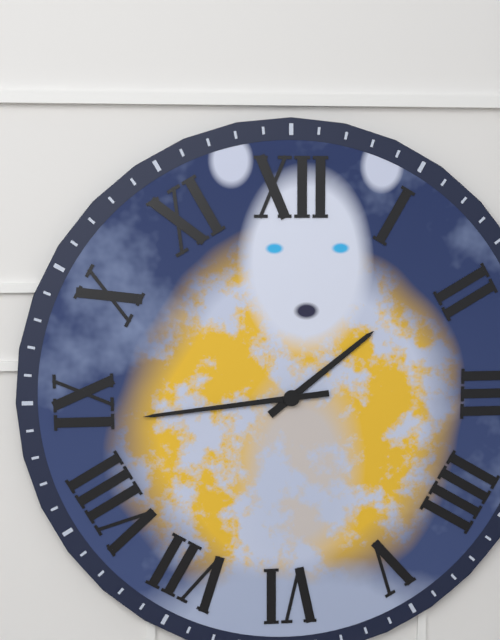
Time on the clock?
1:44
